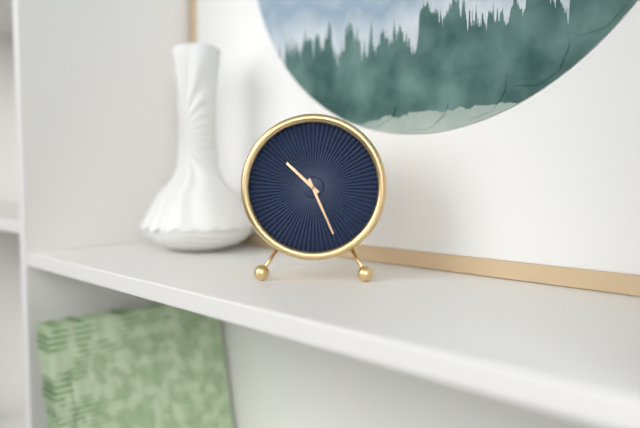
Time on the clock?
10:26
